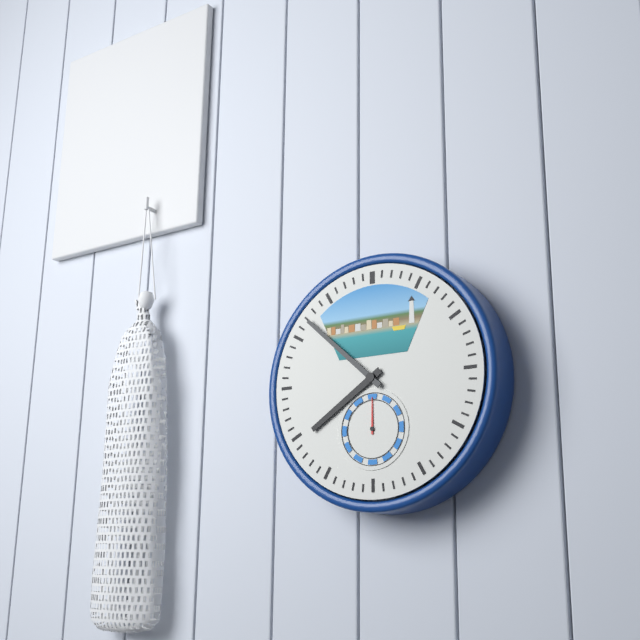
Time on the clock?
7:52
